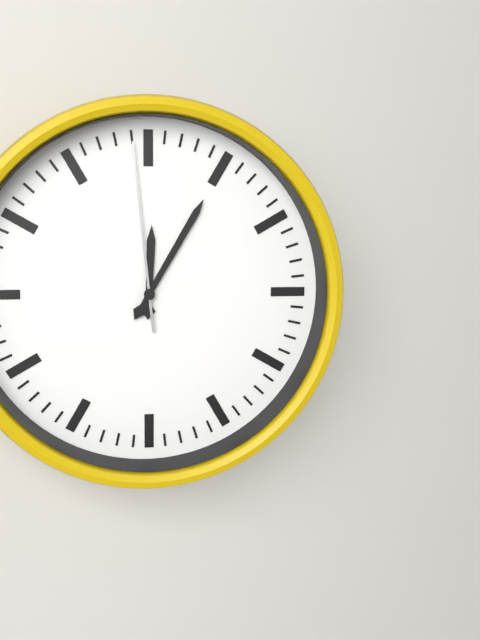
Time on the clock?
12:05:59
